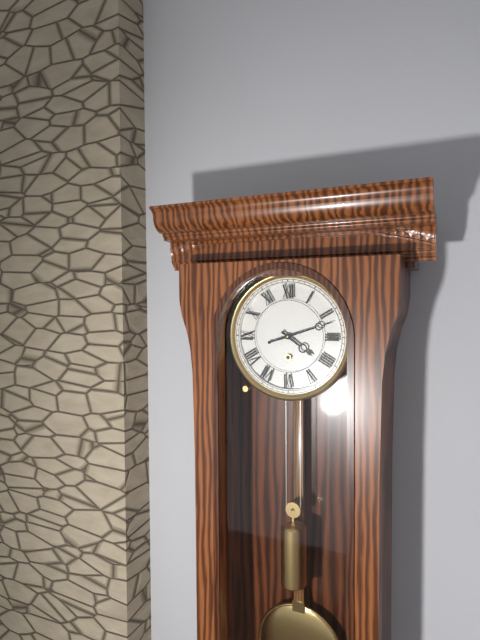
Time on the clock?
4:12
